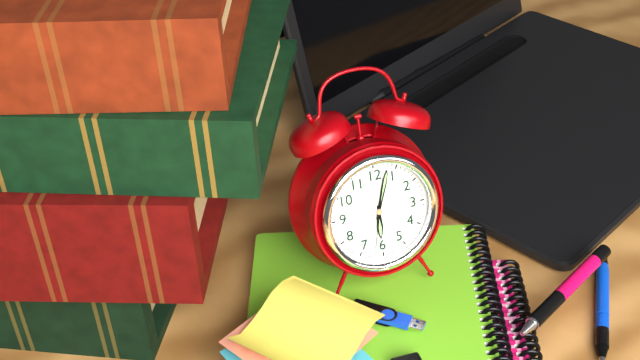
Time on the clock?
6:03:32
